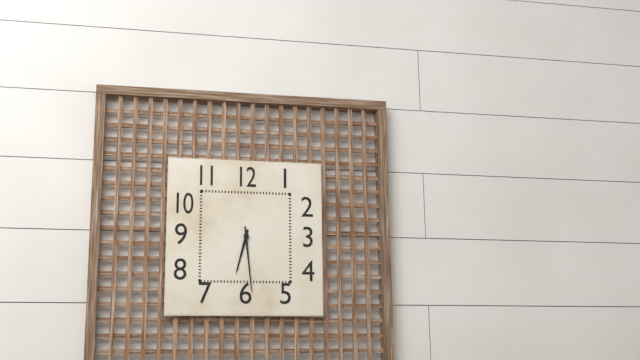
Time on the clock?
6:29
